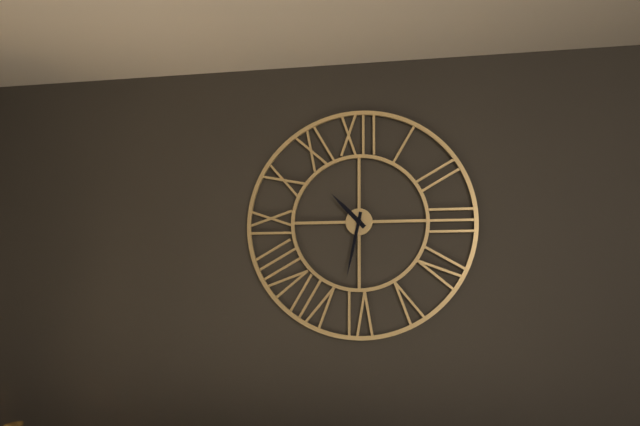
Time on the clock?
10:32
